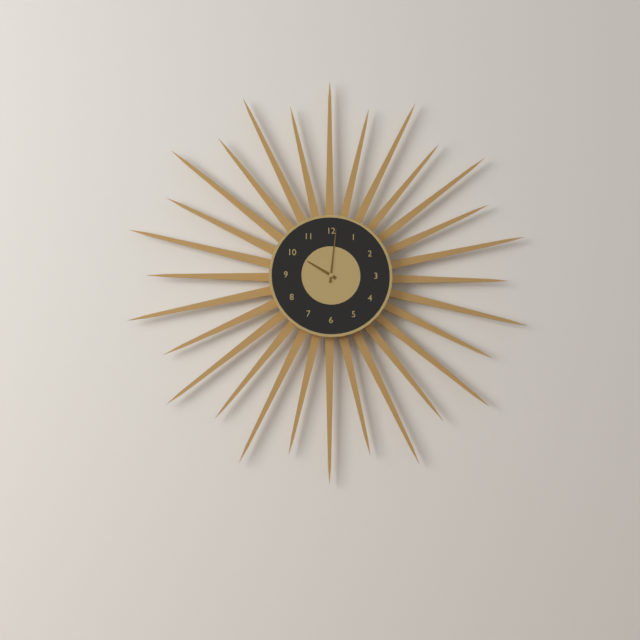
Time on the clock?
10:01
